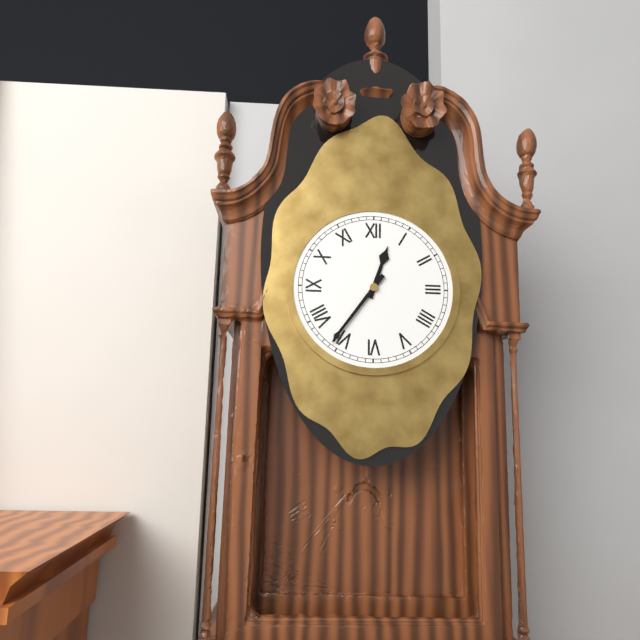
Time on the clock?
12:36
